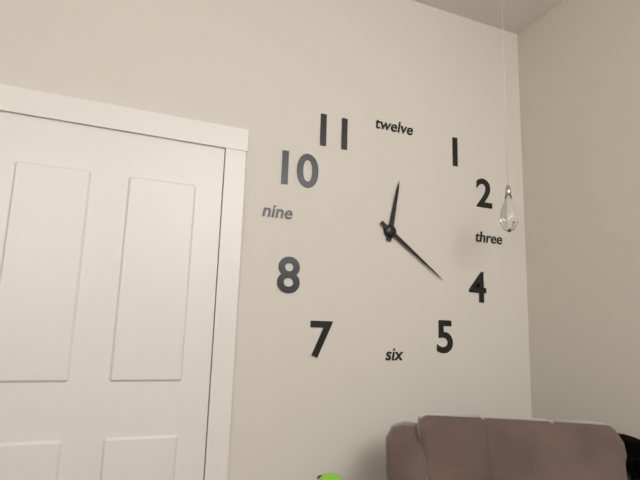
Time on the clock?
12:21
